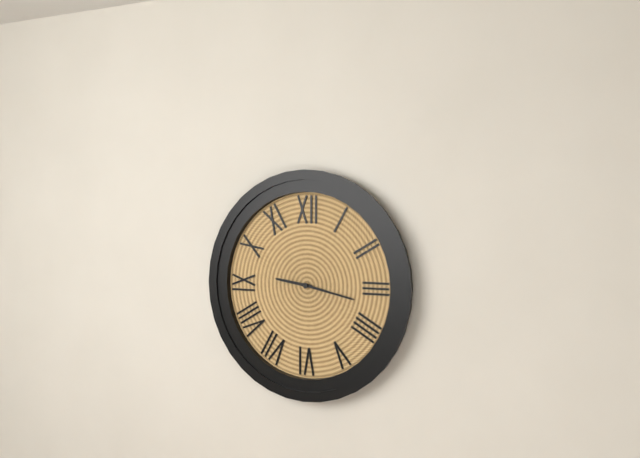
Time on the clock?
9:17
